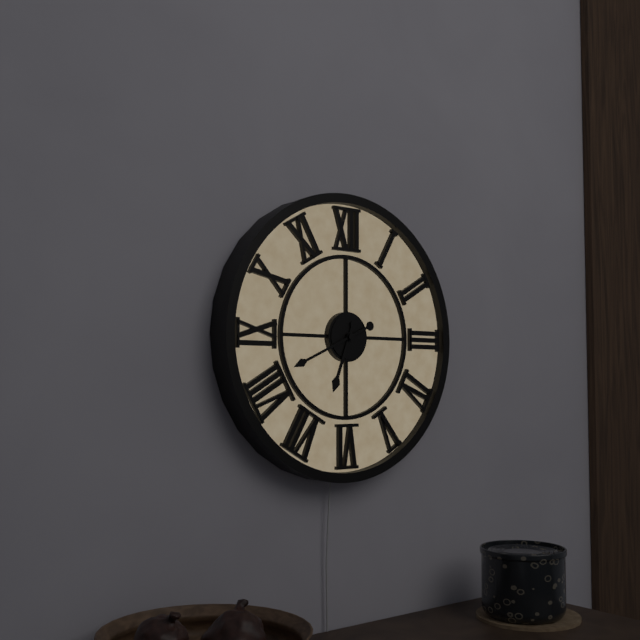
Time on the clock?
6:41
